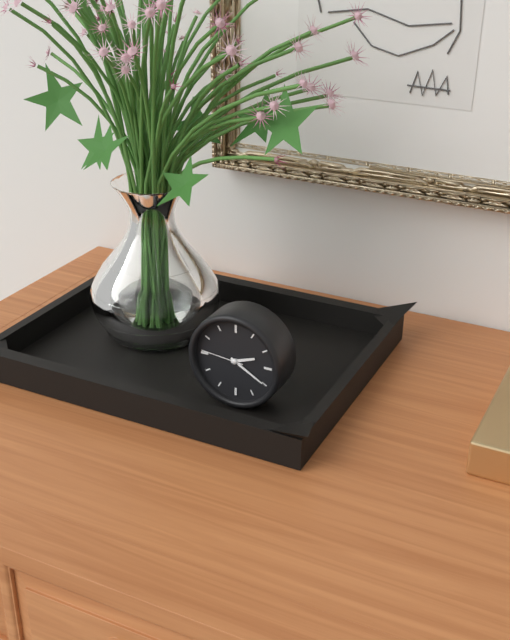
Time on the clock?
2:20
